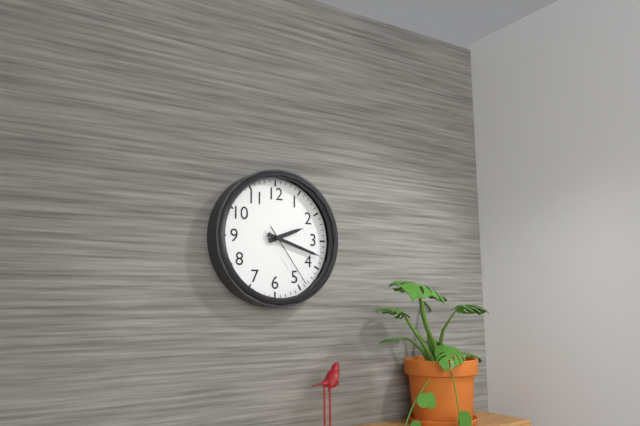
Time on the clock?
2:18:24
